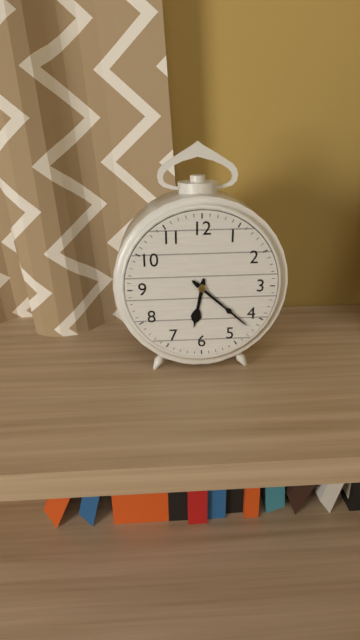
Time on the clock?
6:22
